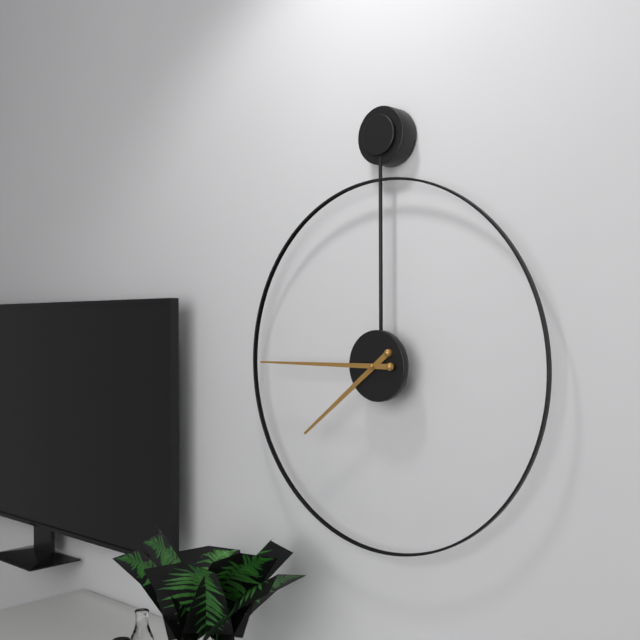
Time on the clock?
7:45
